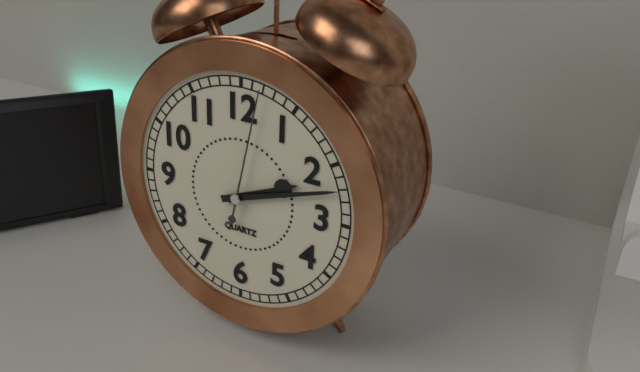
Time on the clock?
2:12:02
